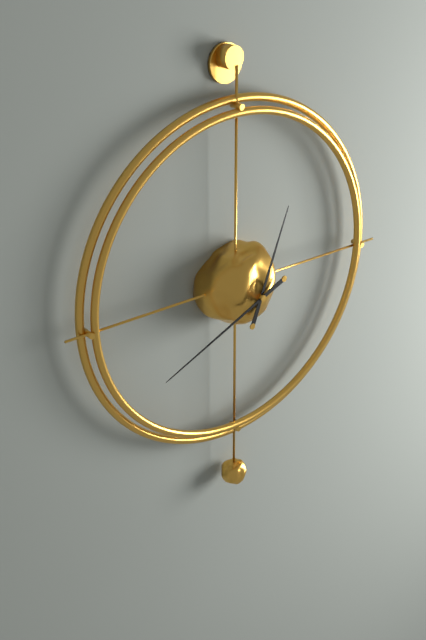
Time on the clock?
12:41
